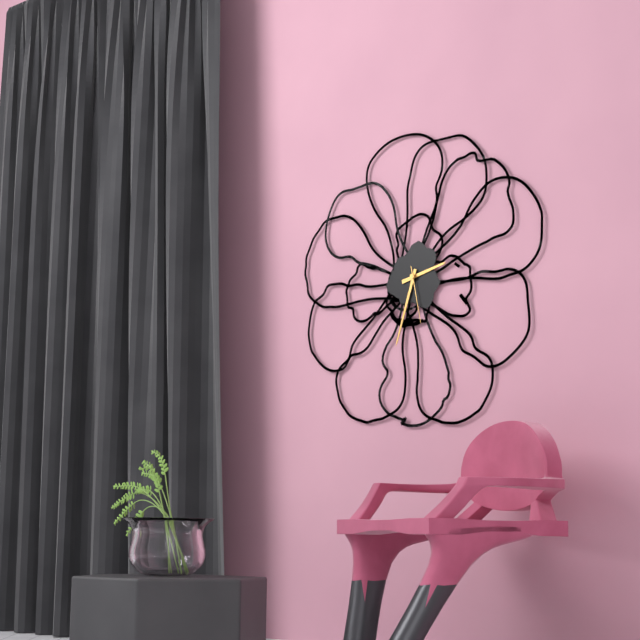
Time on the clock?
2:33:28
